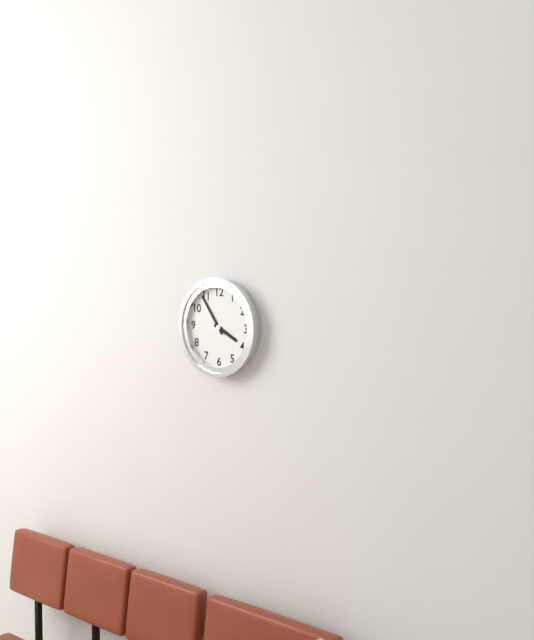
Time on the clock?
3:54
